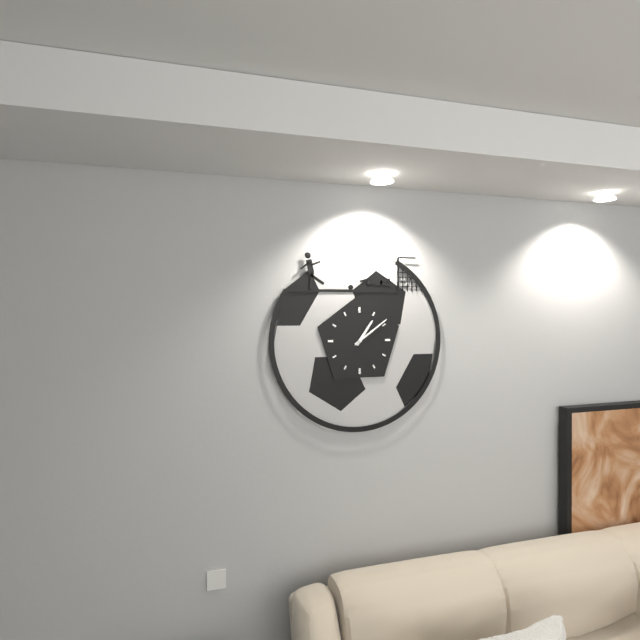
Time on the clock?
1:09
